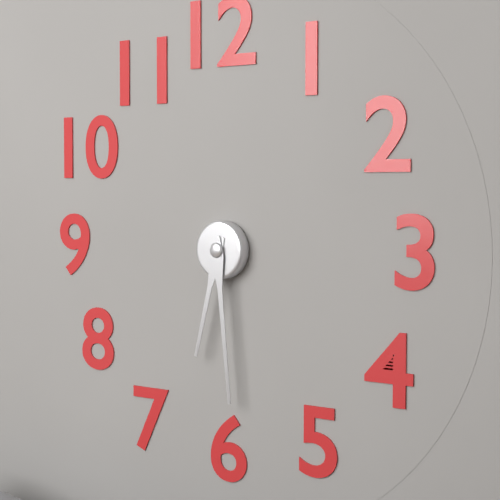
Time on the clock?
6:29
